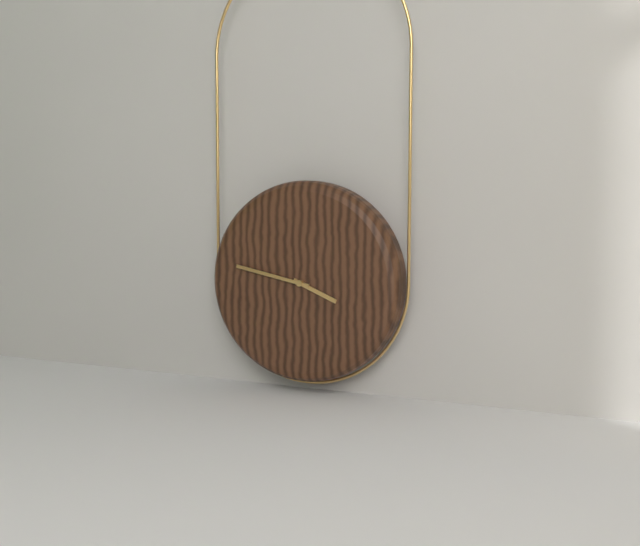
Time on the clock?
3:47
